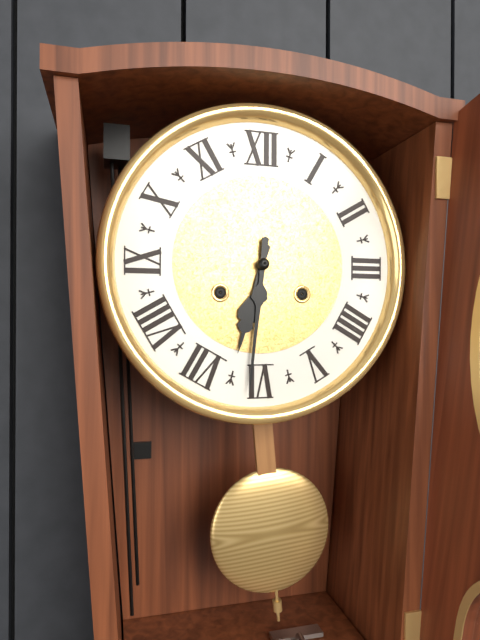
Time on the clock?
6:31
